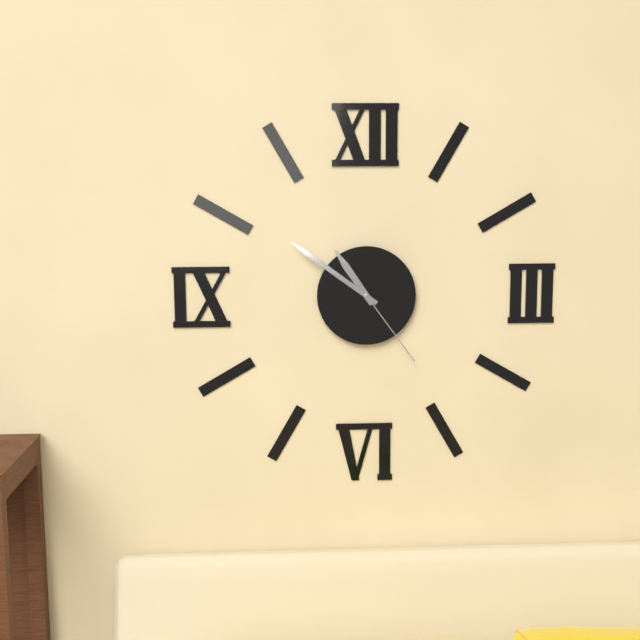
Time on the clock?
10:51:24
